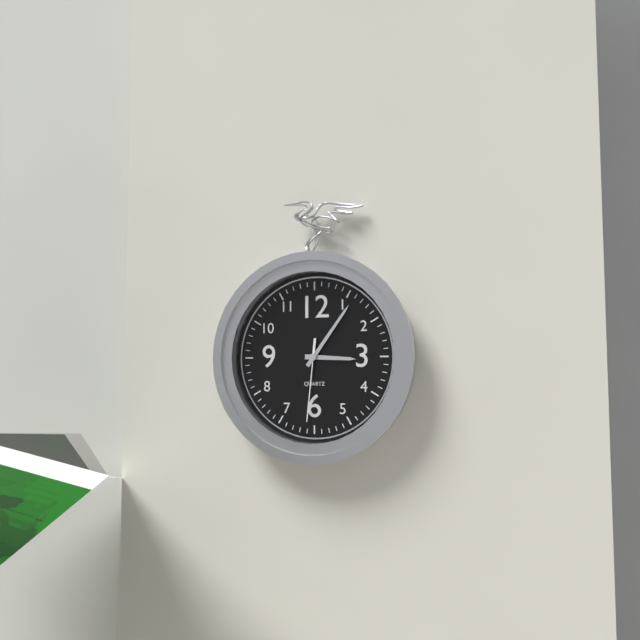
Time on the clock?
3:06:31
